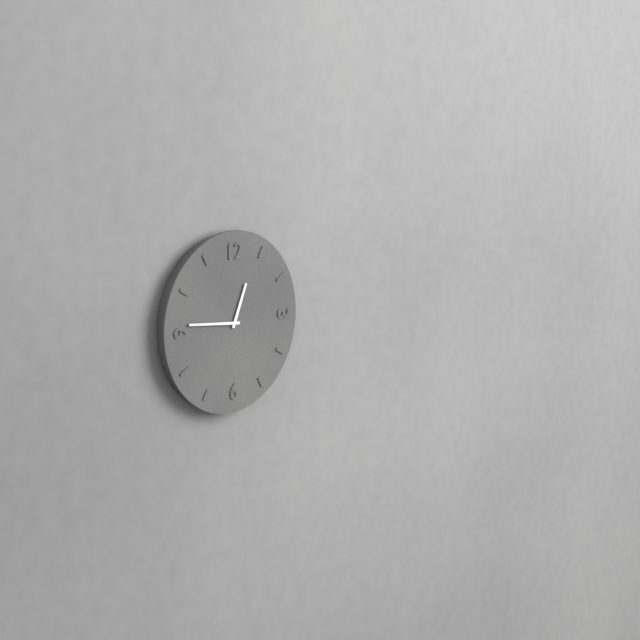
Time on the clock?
12:46
